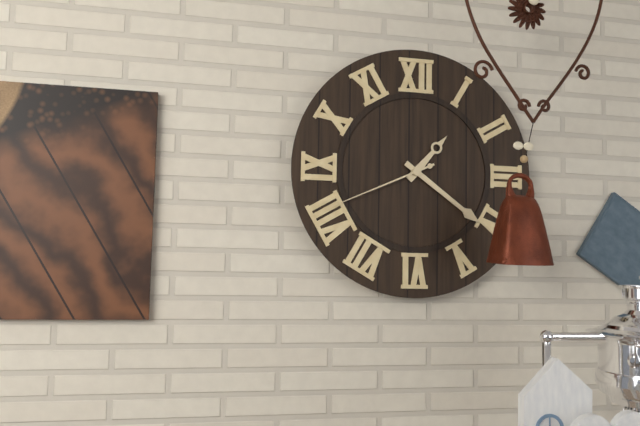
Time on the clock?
1:21:41
